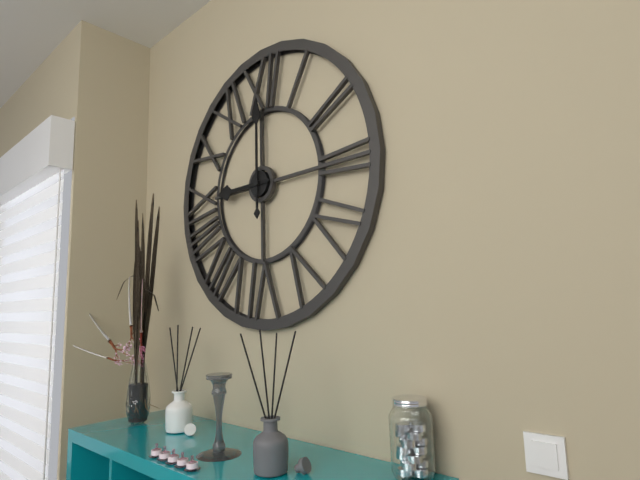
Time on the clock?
9:00
